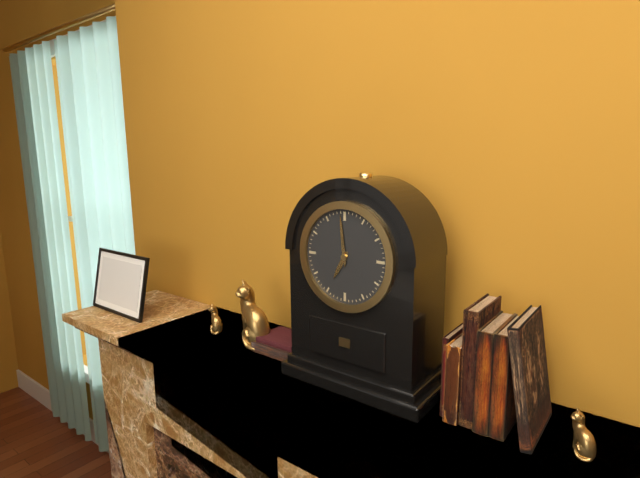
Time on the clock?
6:59
